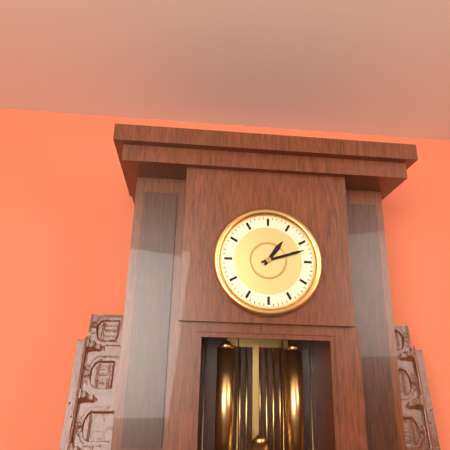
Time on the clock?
1:12
